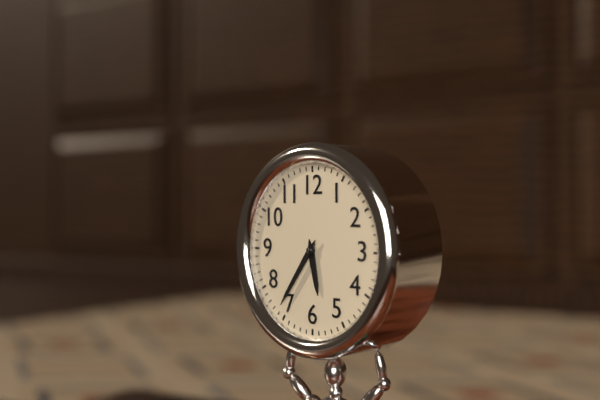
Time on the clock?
5:36
